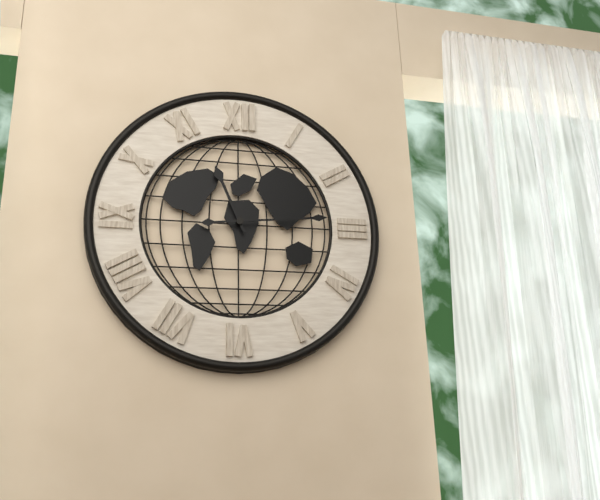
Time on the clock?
11:14
